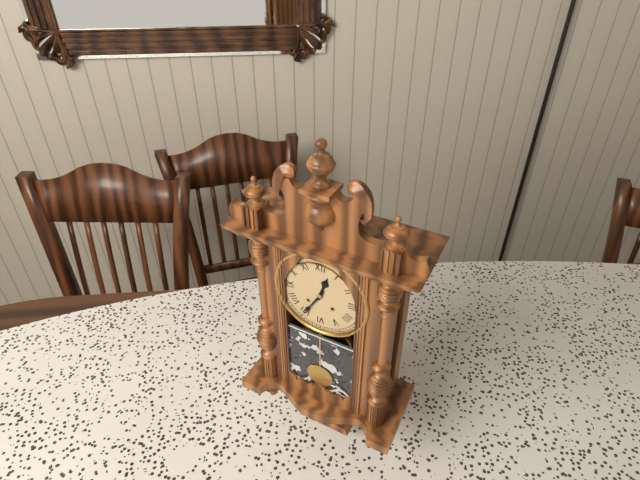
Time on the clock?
12:35
